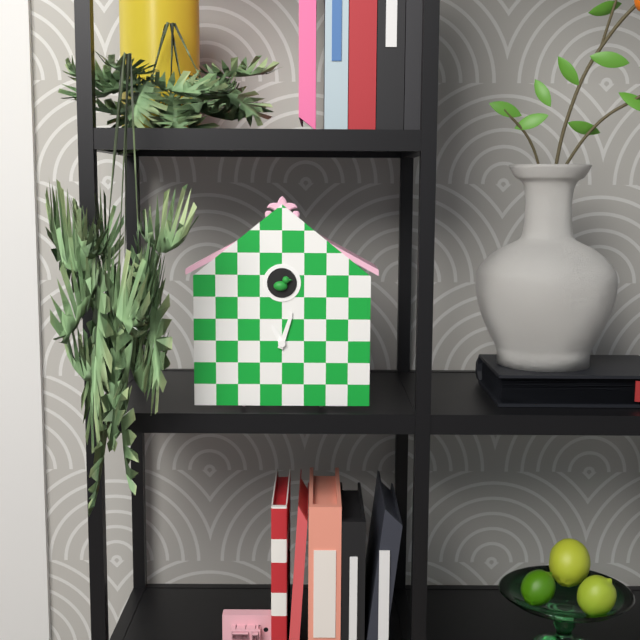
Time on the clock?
11:03
